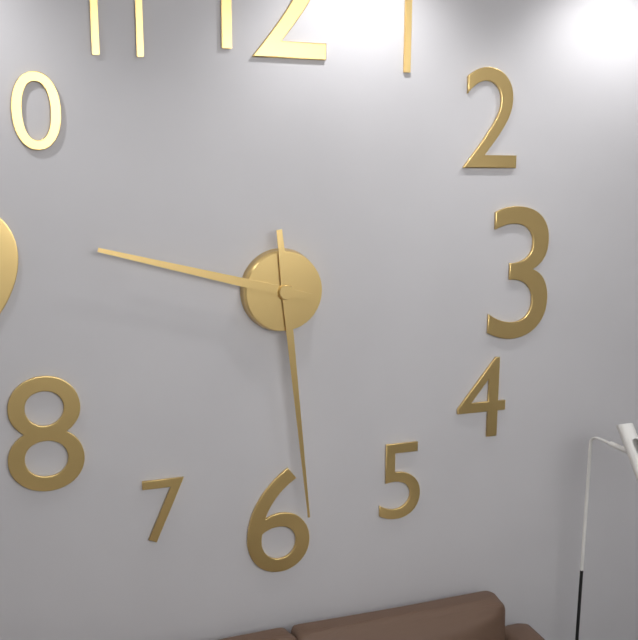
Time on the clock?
9:29
